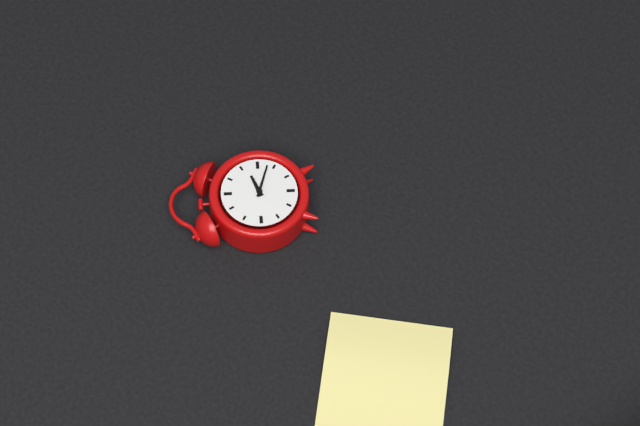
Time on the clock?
2:18
